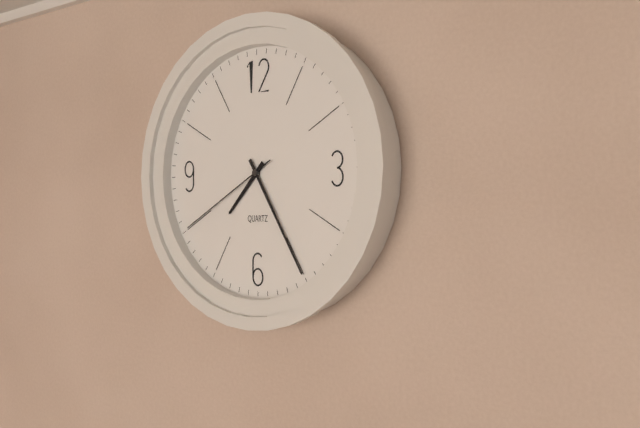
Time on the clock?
7:25:40
